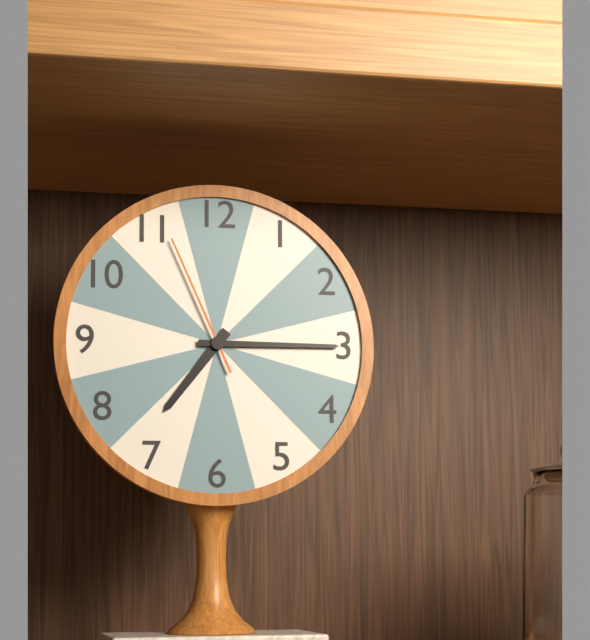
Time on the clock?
7:15:56
